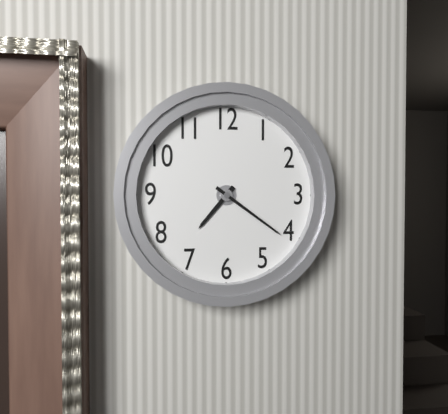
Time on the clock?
7:21
